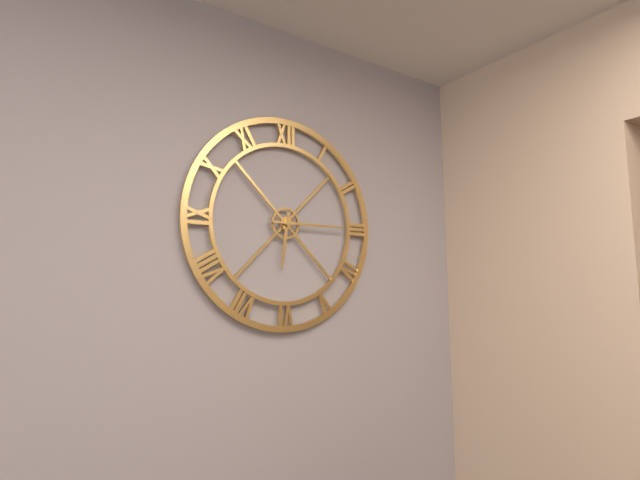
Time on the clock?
6:15
